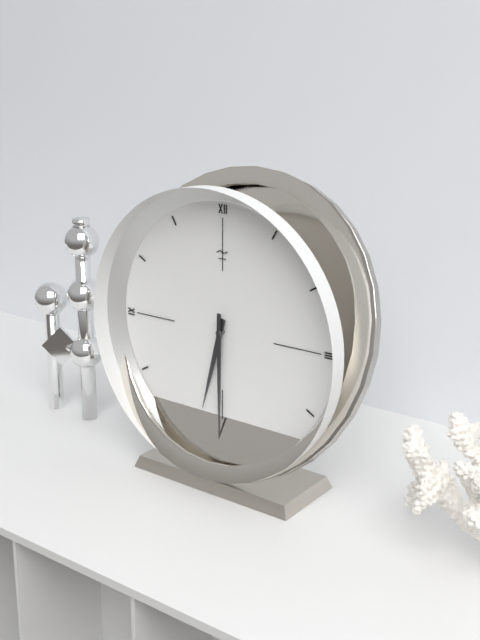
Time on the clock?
6:30
